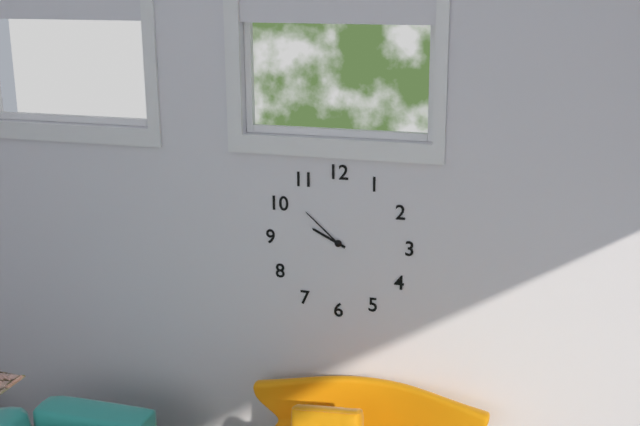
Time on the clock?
9:52
